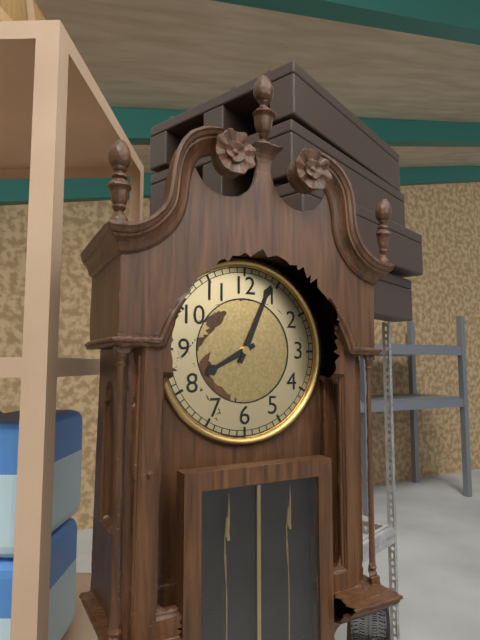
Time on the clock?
8:04
